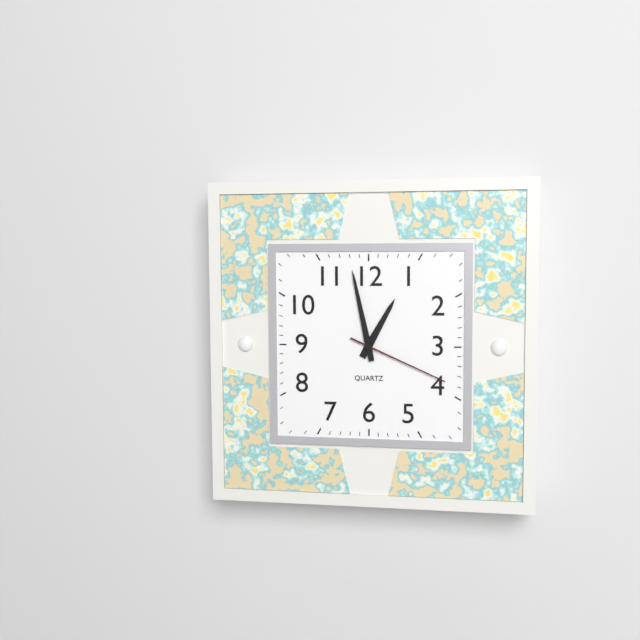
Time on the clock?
12:58:19
